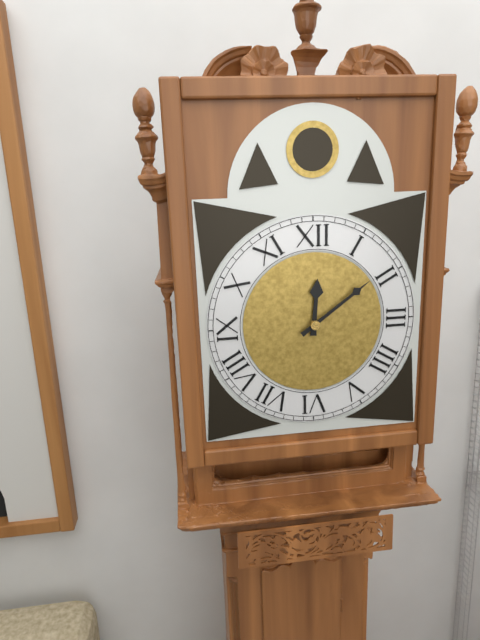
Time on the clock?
12:09
